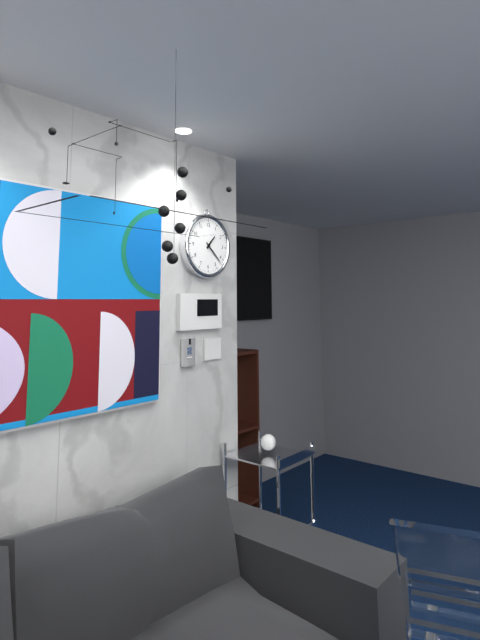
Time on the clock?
1:22
